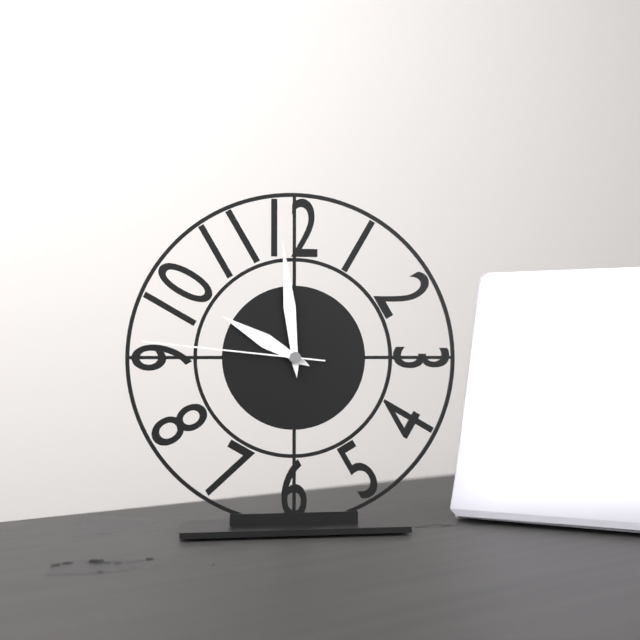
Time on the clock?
9:59:46
